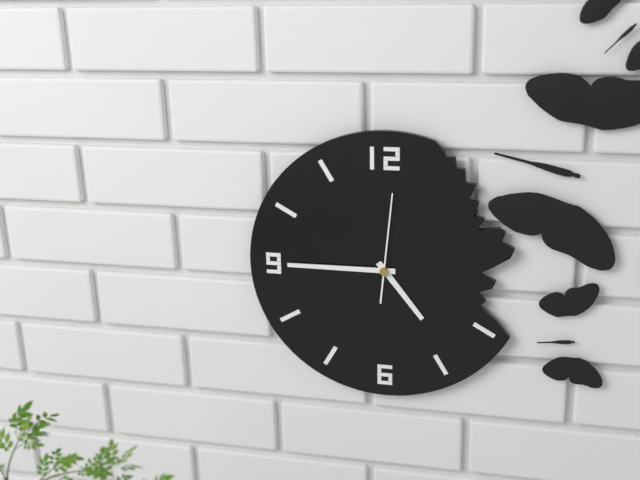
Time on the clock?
4:45:01
